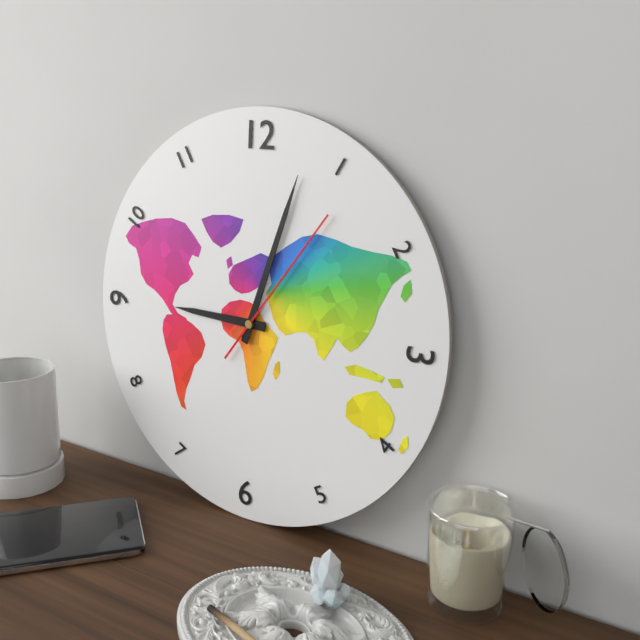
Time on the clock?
9:03:06
